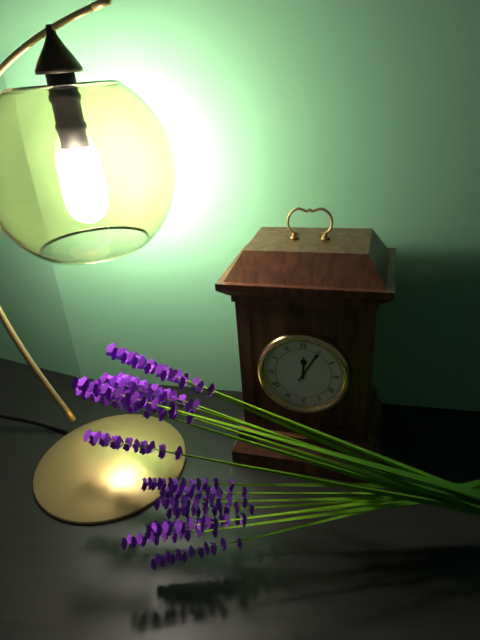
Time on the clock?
12:05
